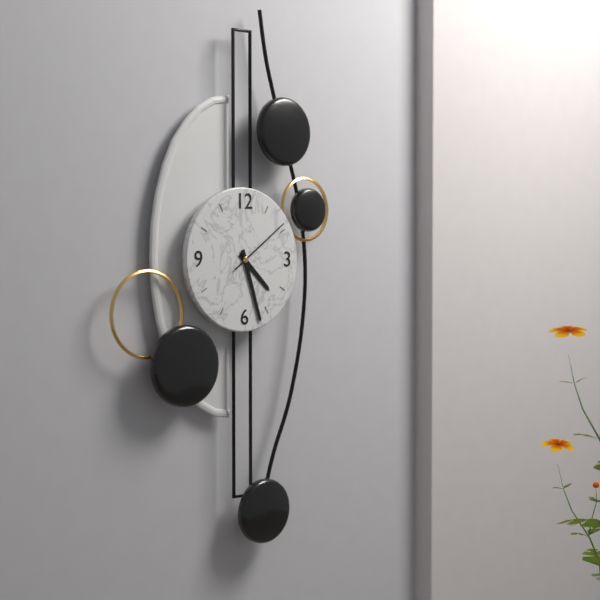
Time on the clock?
4:27:09
